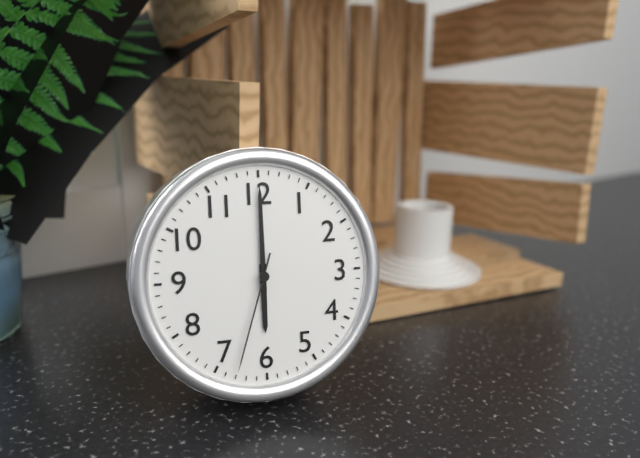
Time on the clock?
6:00:33
